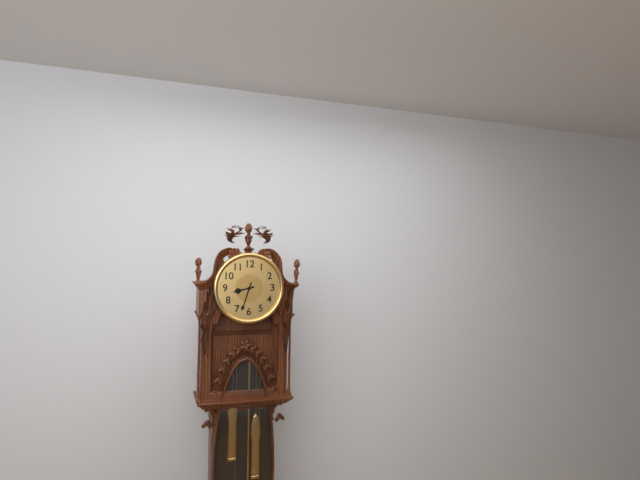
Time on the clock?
8:33
